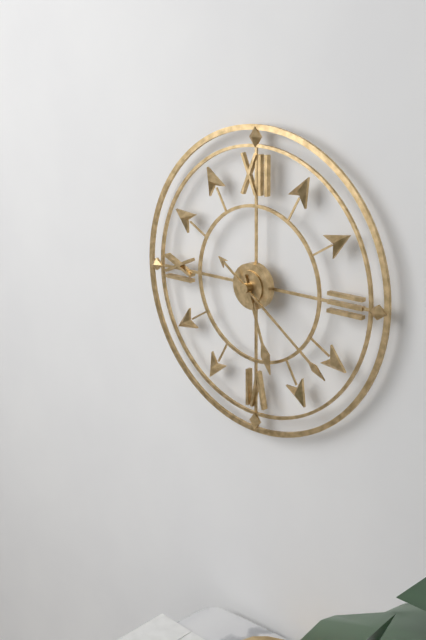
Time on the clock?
5:21
